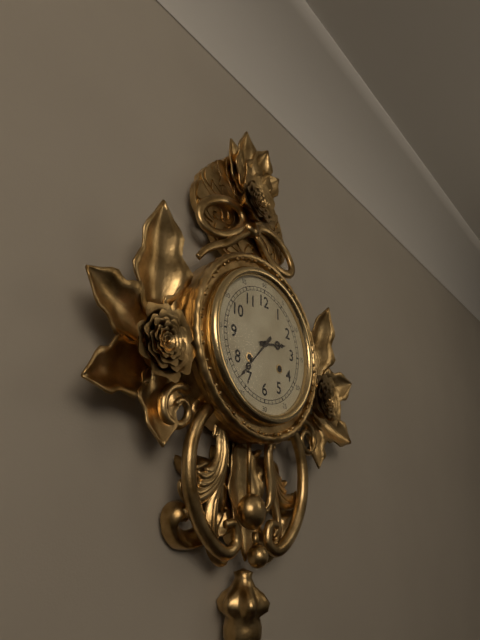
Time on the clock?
2:37
